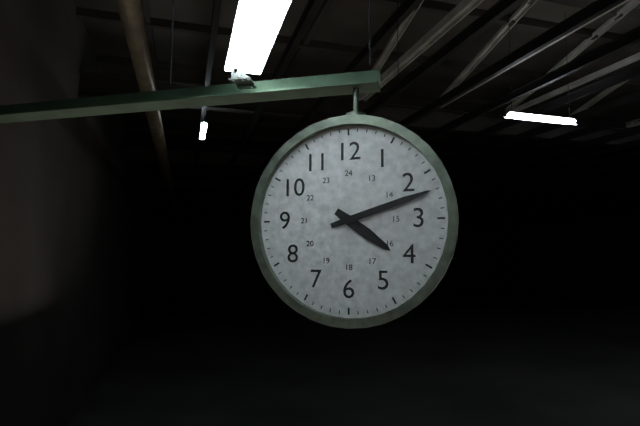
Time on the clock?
4:12
